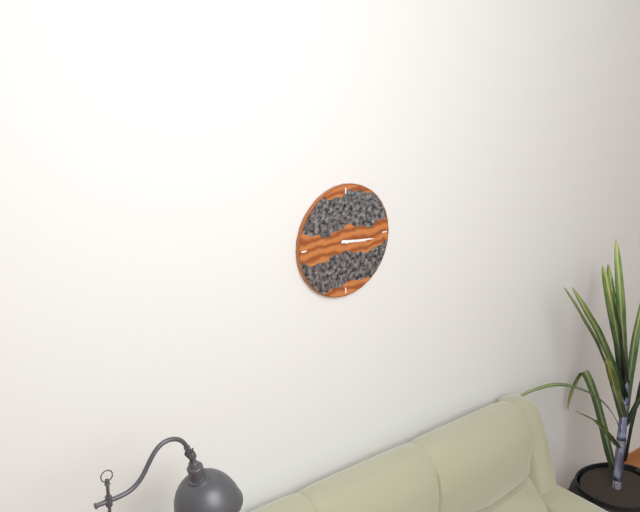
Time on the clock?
3:16
